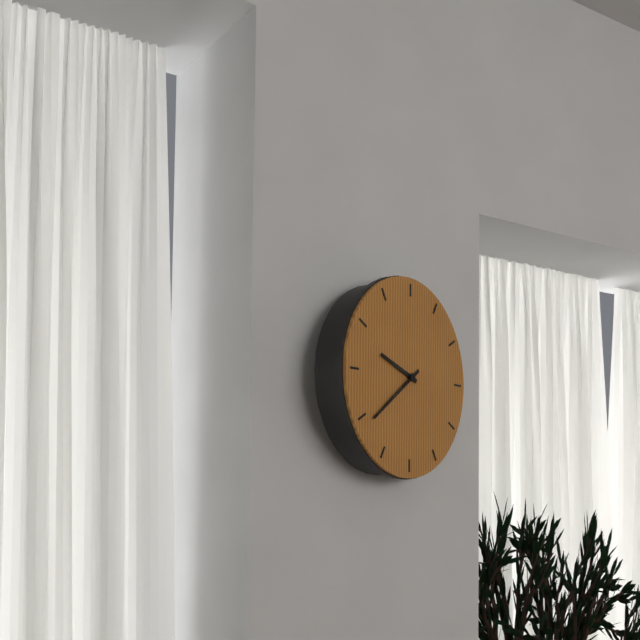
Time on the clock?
9:39
